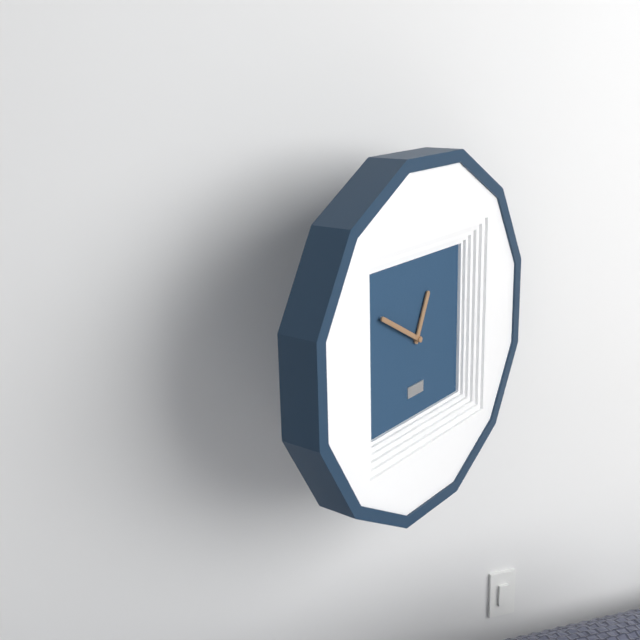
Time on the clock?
12:50
